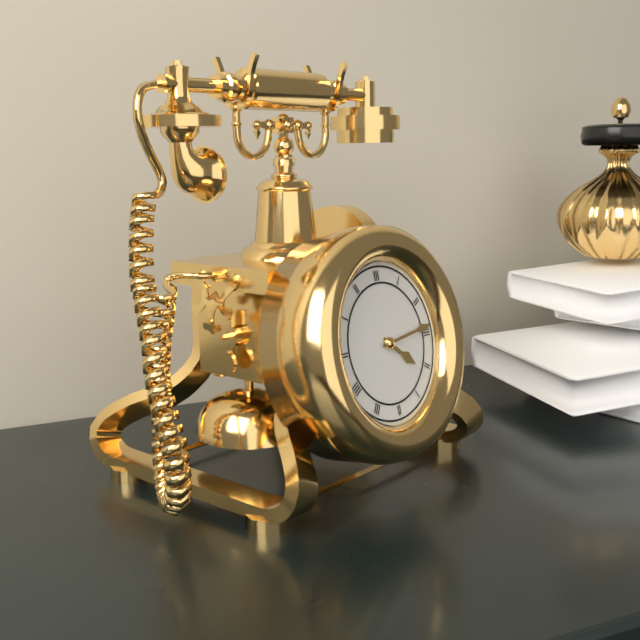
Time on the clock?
4:14
